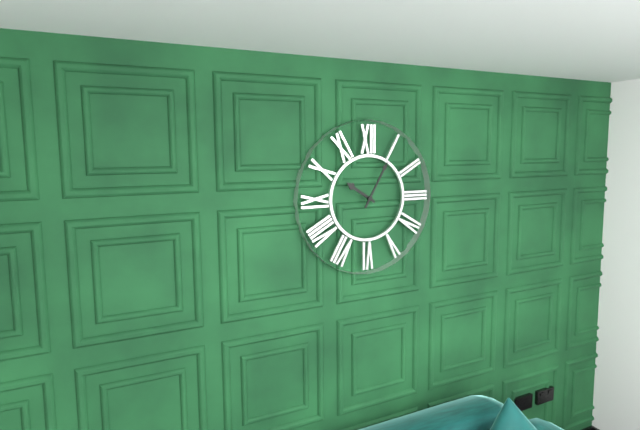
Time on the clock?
10:05
